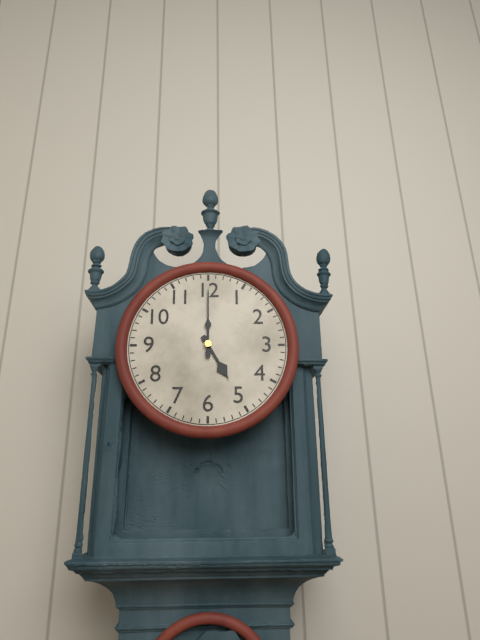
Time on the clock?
5:00
